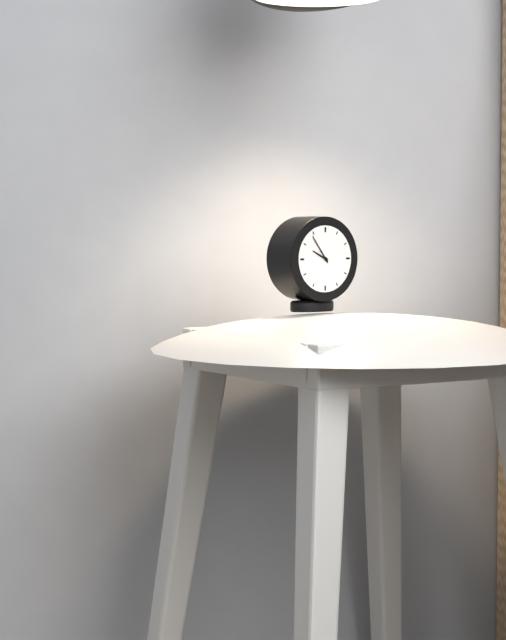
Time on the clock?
9:54
